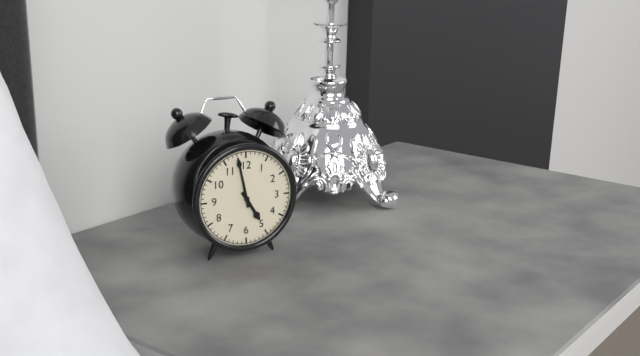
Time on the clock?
4:58
